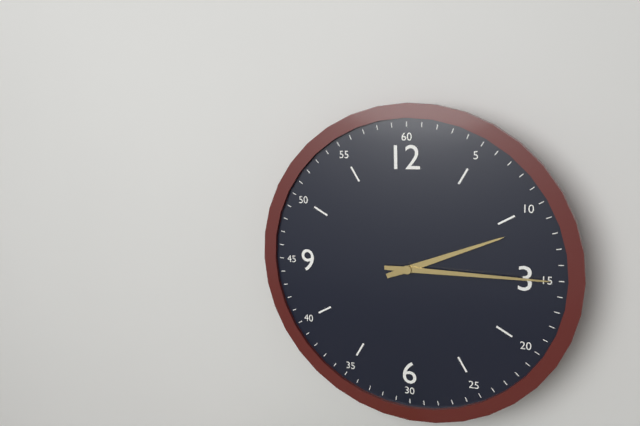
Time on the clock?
2:15
